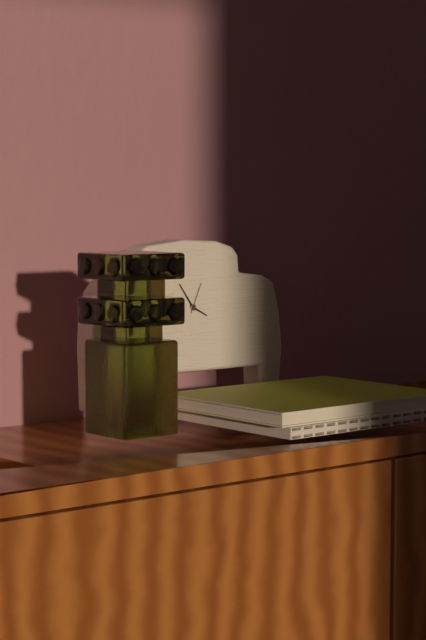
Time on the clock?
3:54
